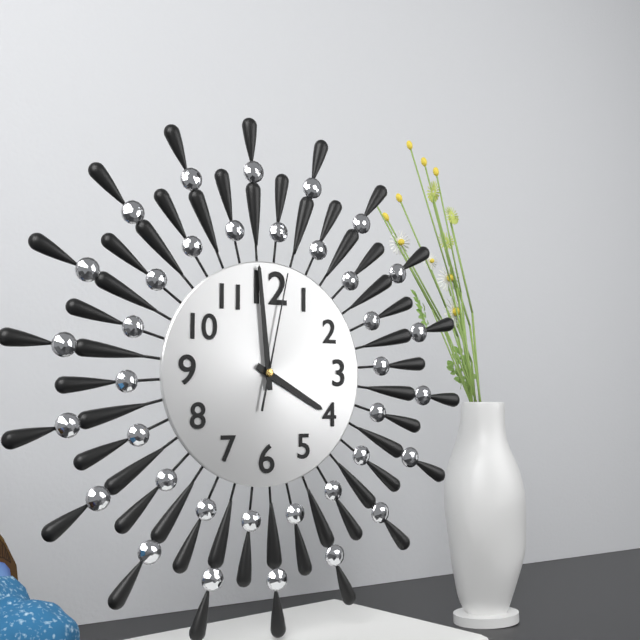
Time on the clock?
3:59:02
